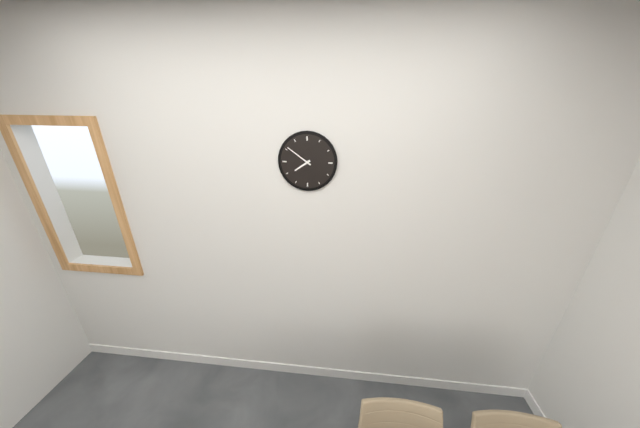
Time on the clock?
7:51
